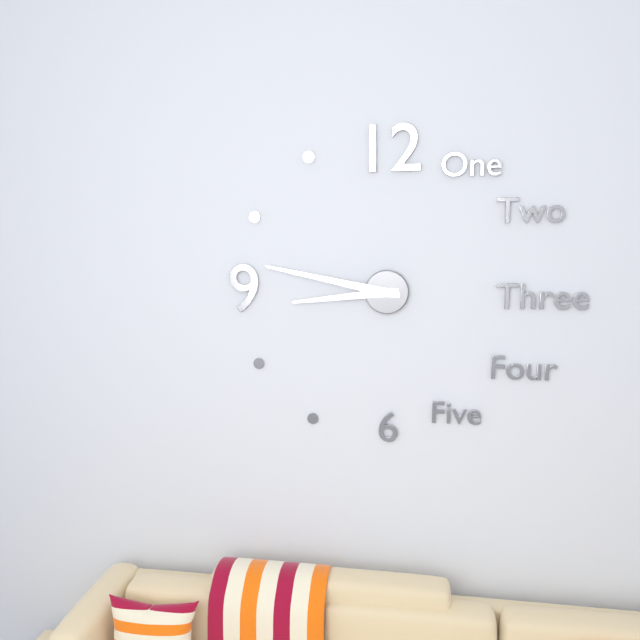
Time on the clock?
8:47
